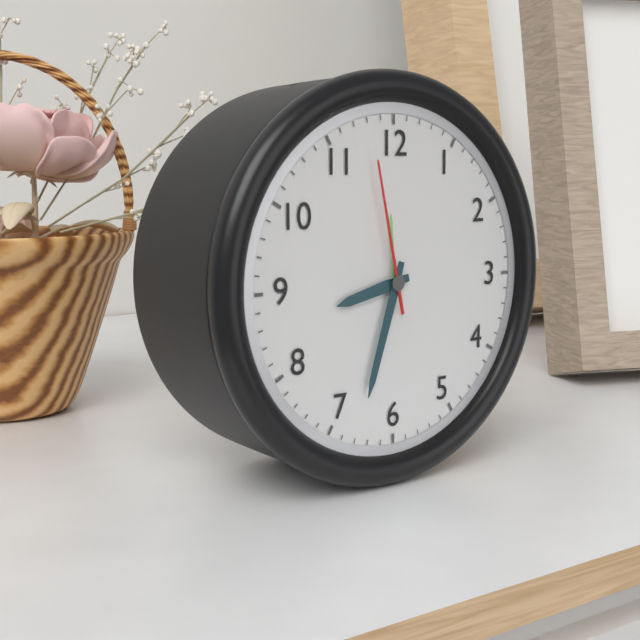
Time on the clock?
8:33:58
